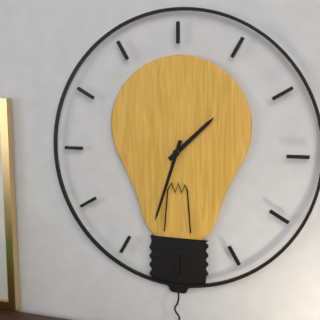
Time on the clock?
1:33
